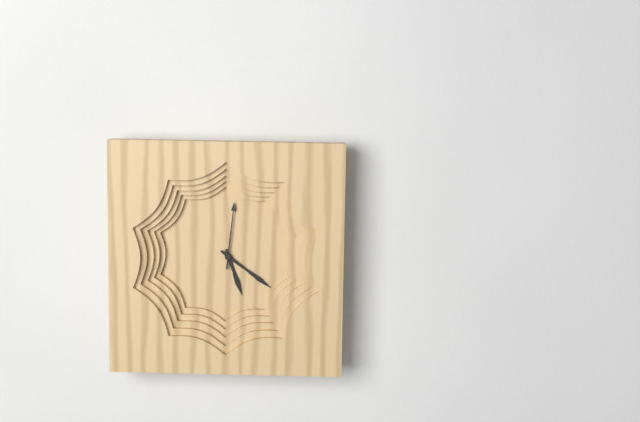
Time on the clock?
5:21:01
